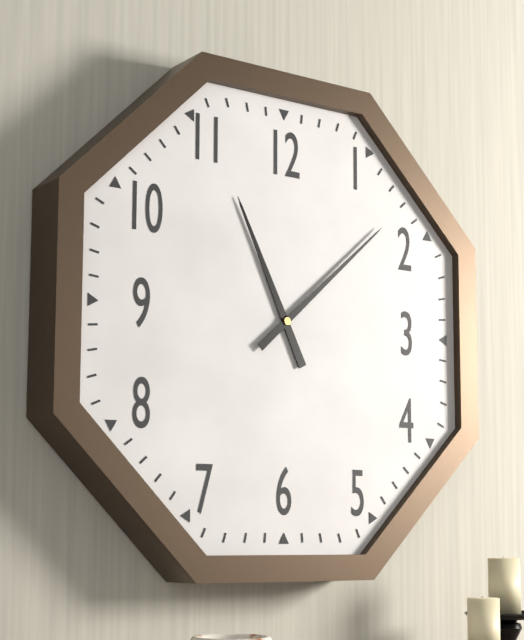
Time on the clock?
11:08
